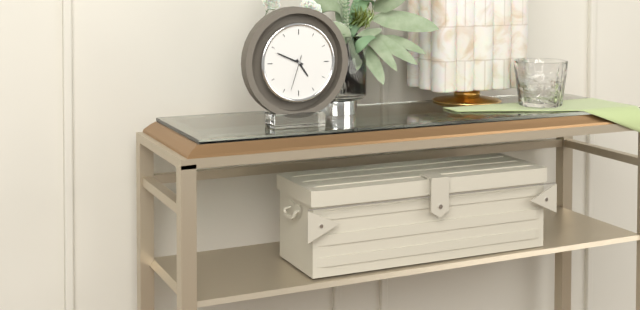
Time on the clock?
4:49
